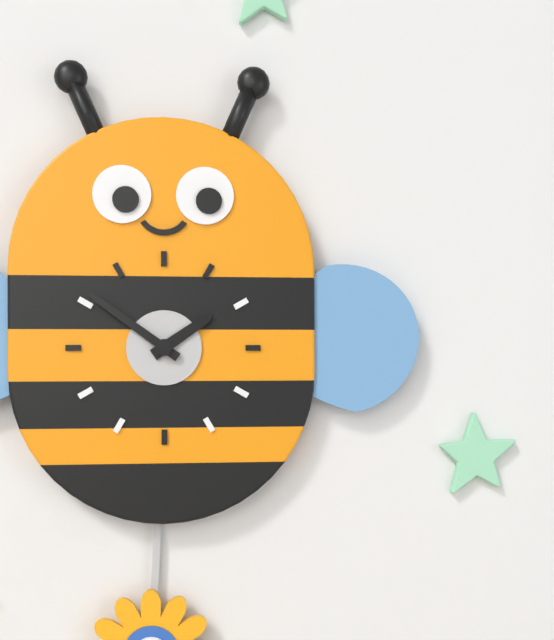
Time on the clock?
1:51
